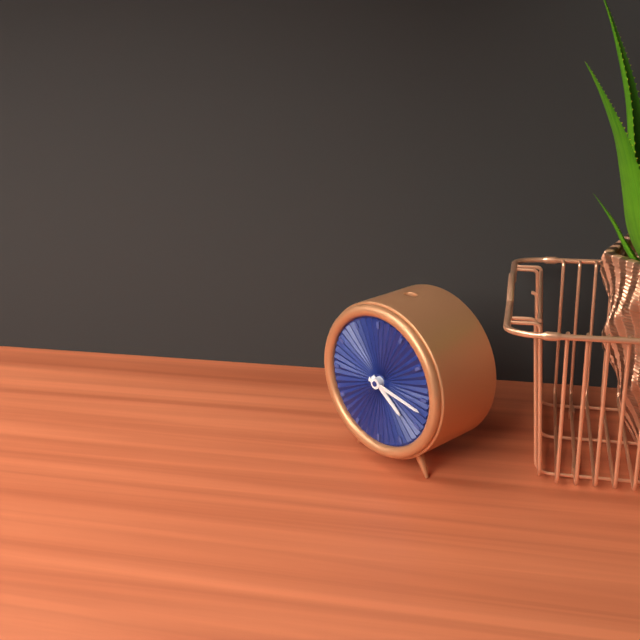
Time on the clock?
4:17
